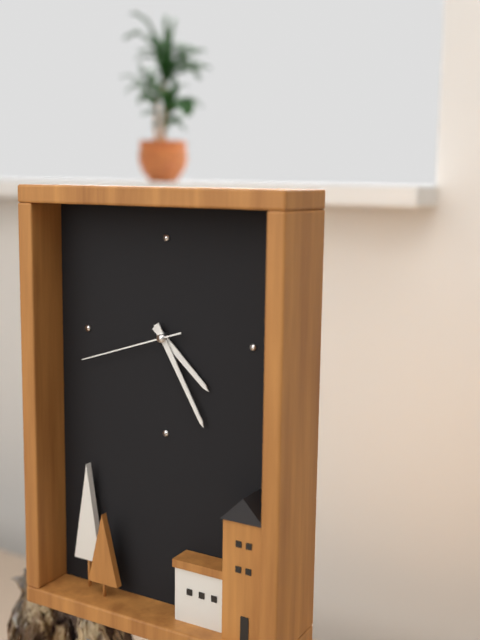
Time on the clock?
4:25:42
